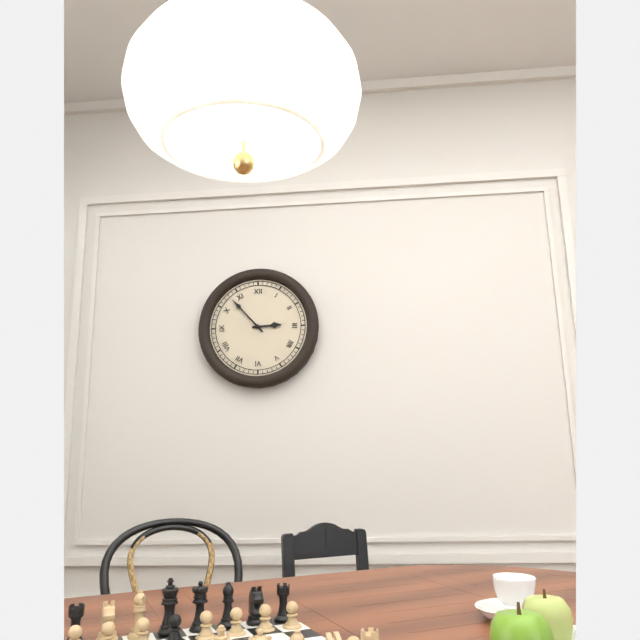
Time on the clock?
2:53
